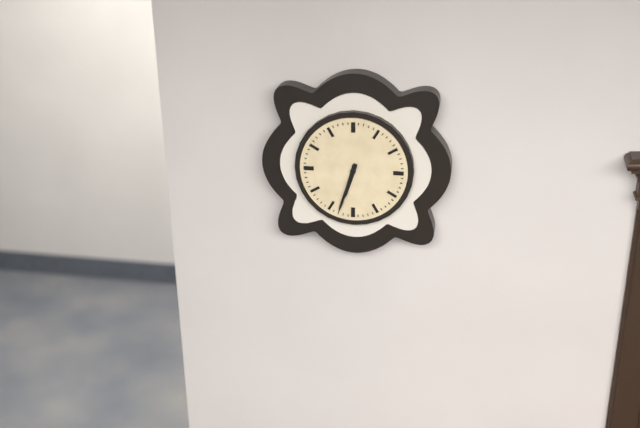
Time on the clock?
6:33
